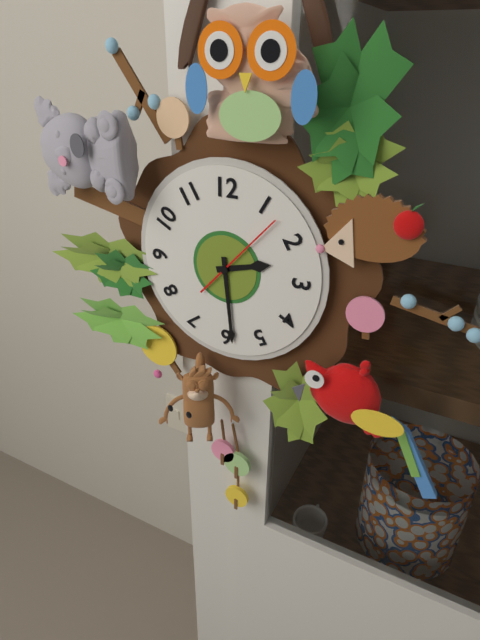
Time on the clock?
2:29:07
